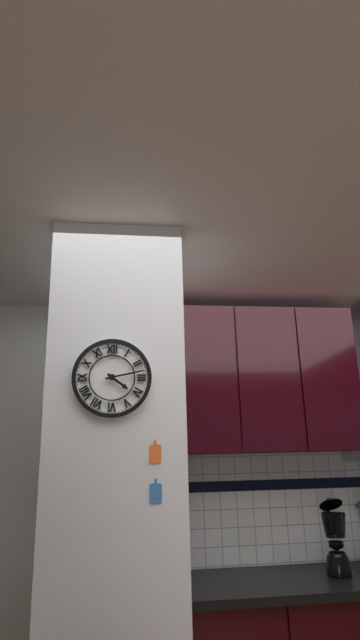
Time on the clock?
4:13
